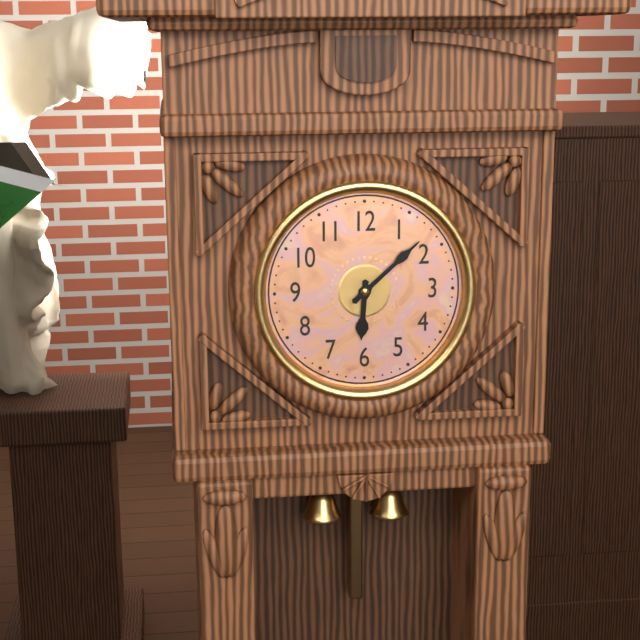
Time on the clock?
6:08
